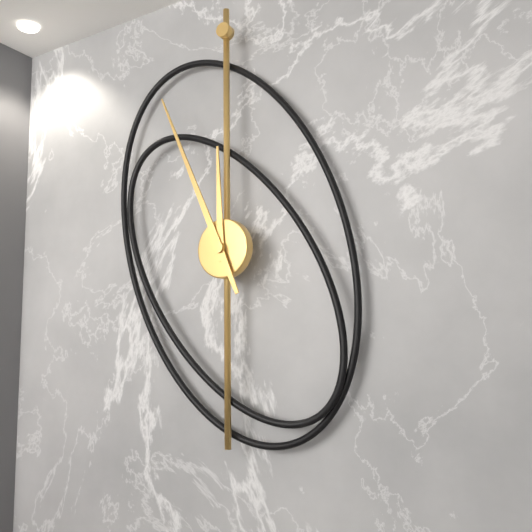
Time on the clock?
11:56
